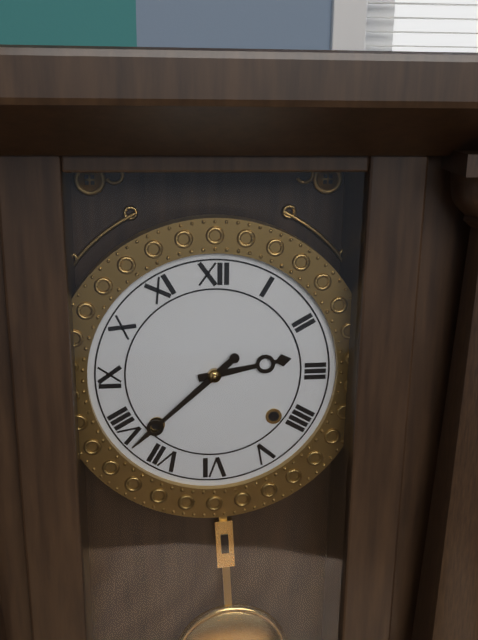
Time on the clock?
2:38
